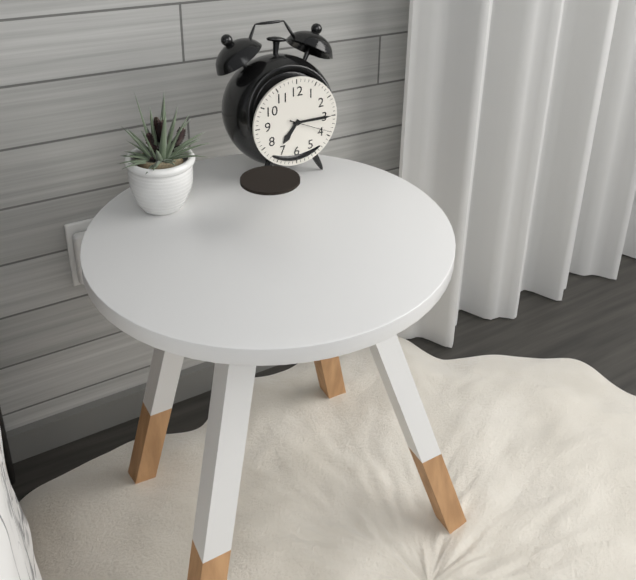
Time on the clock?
7:15
